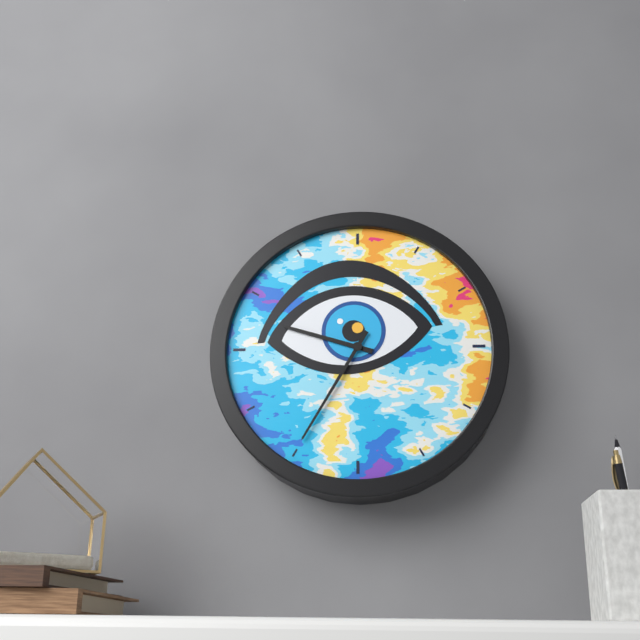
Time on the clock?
9:35
